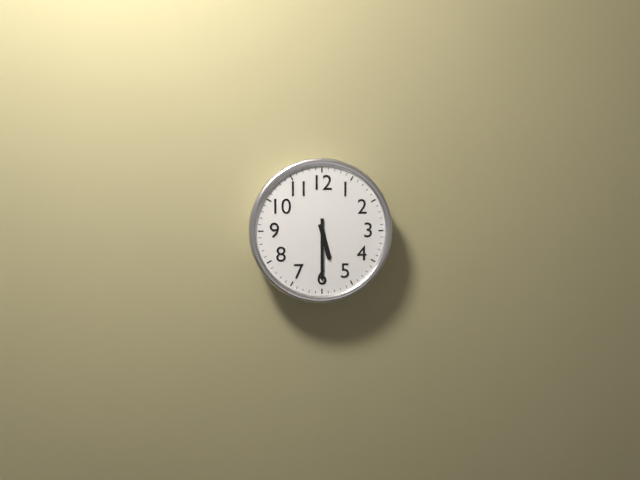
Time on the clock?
5:30
